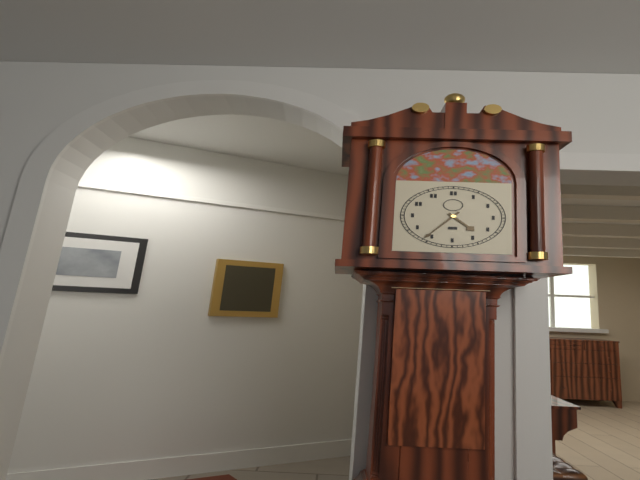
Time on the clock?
4:36
